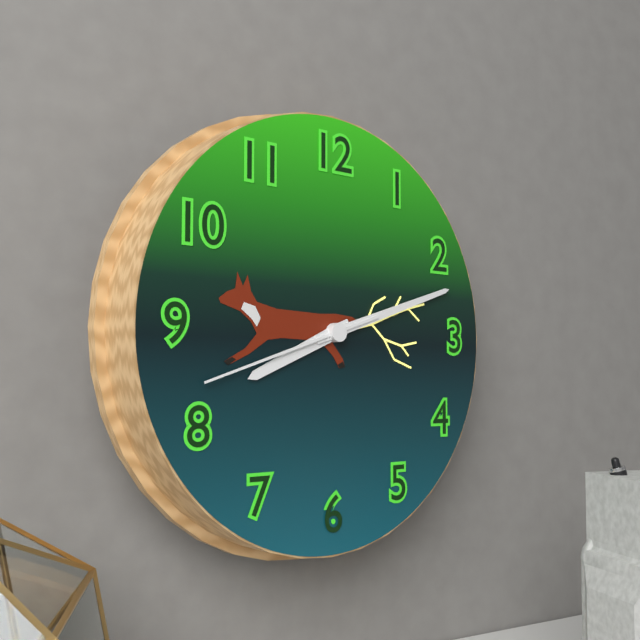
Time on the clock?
8:12:42
